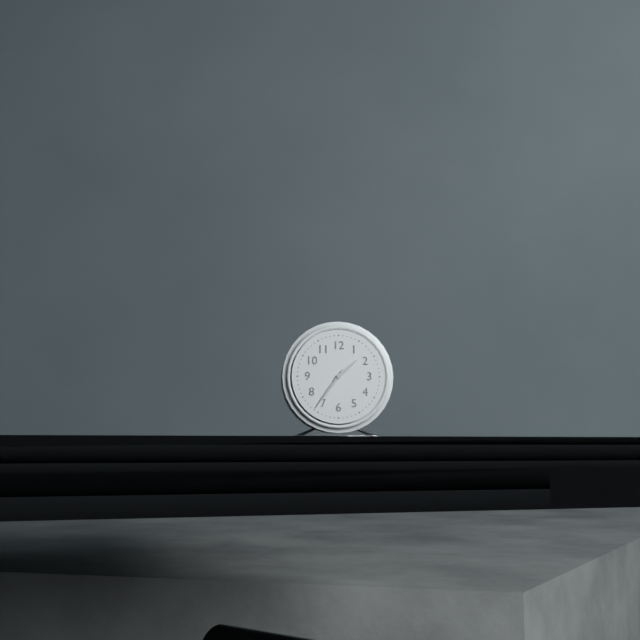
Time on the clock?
1:36
